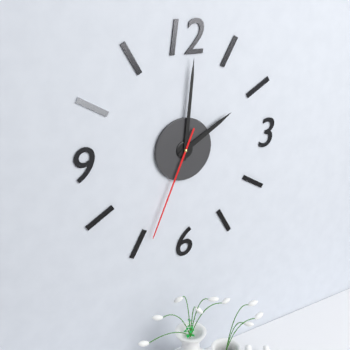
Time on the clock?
2:01:34
